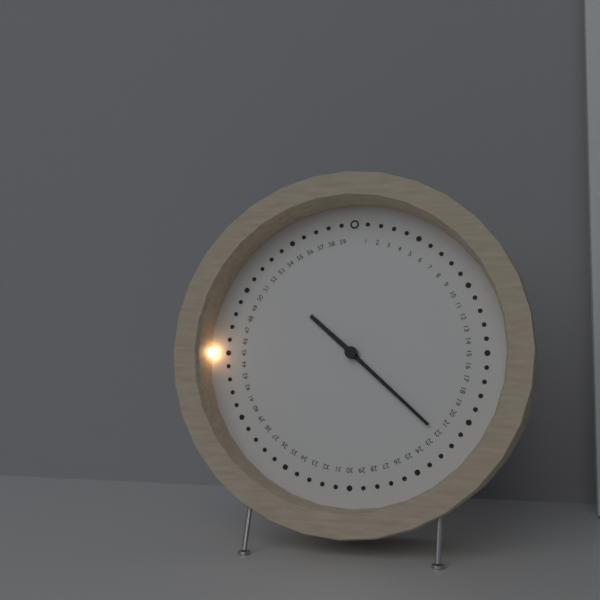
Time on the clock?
10:22
